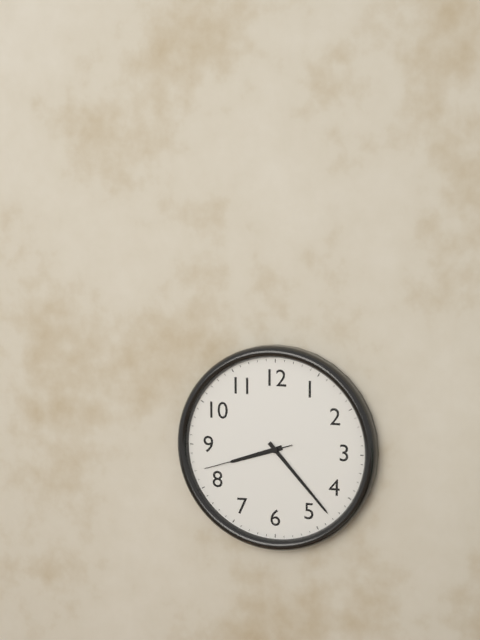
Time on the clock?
8:23:42
